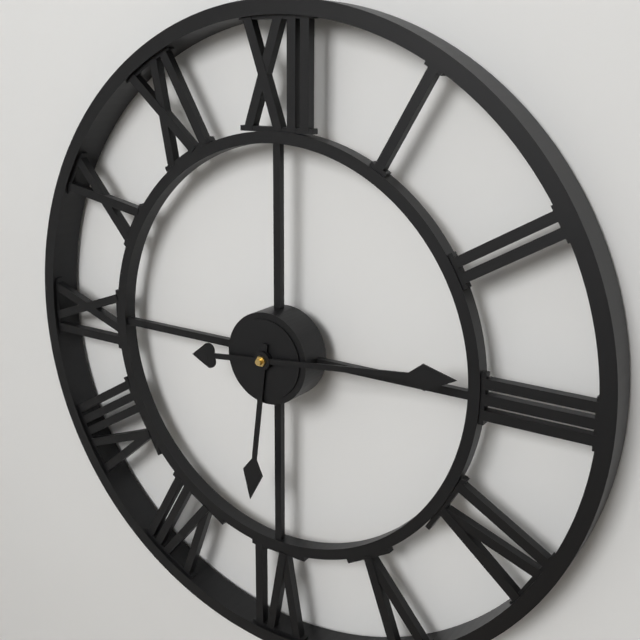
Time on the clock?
6:14
